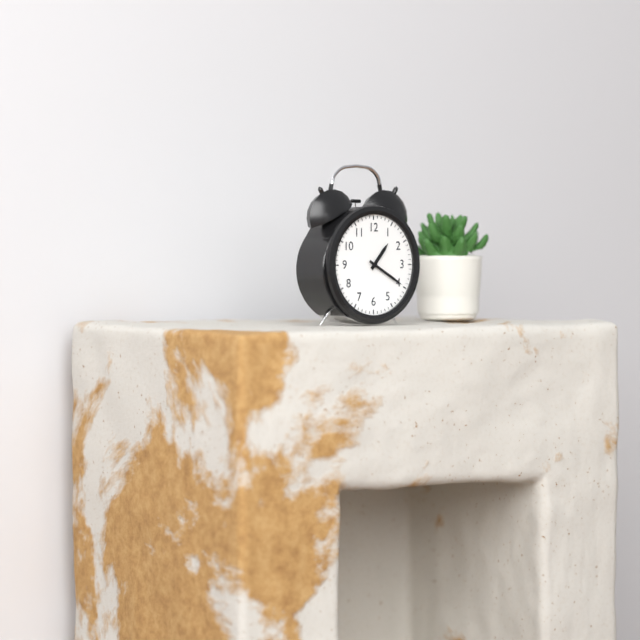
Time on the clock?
1:20
